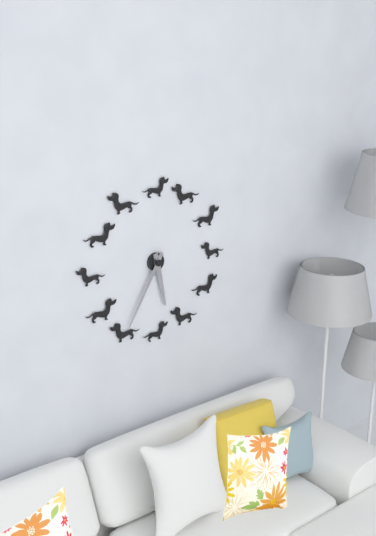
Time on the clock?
5:35
